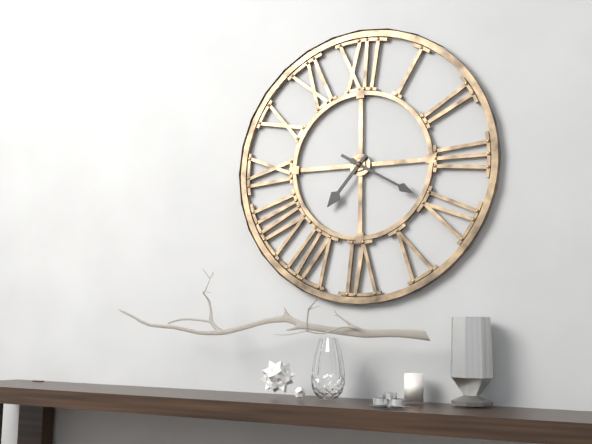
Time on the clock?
7:20
